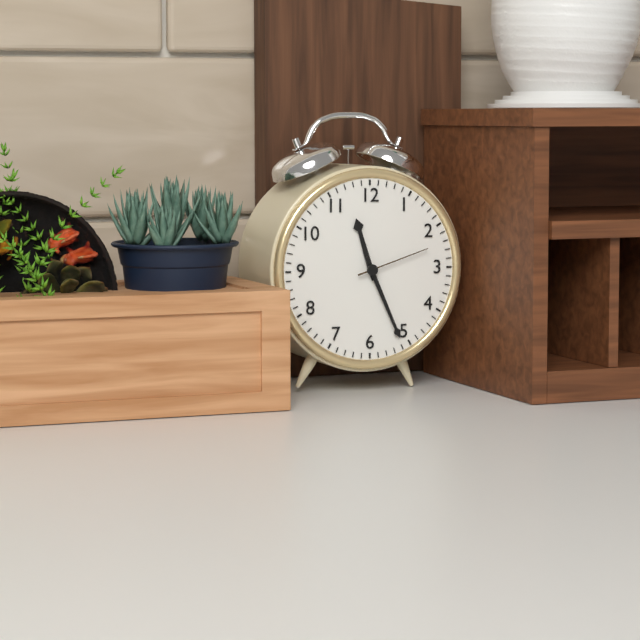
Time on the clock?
11:26:12
